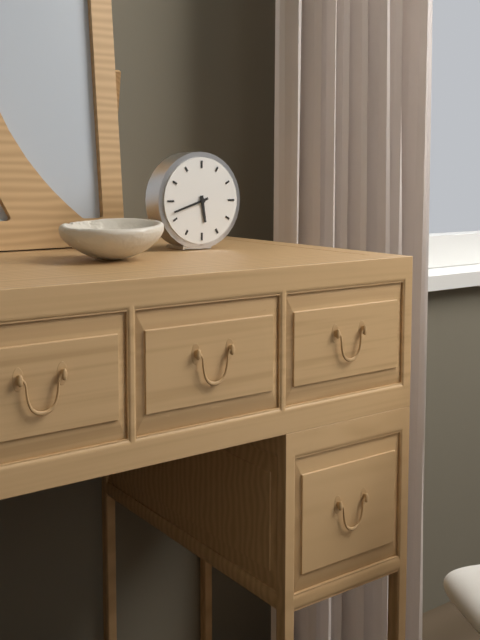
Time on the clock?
5:42
